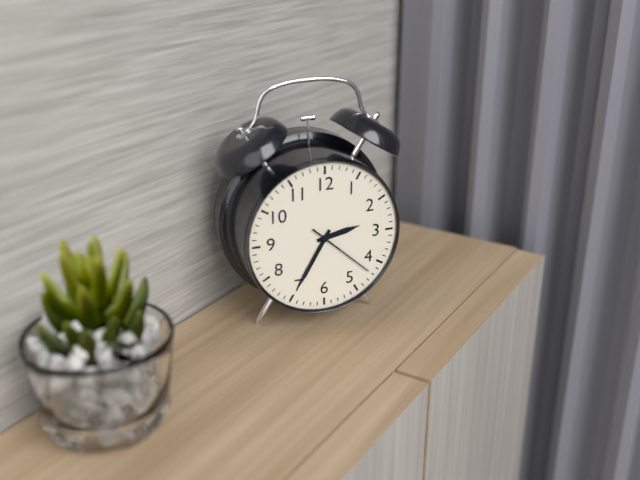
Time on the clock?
2:35:22
